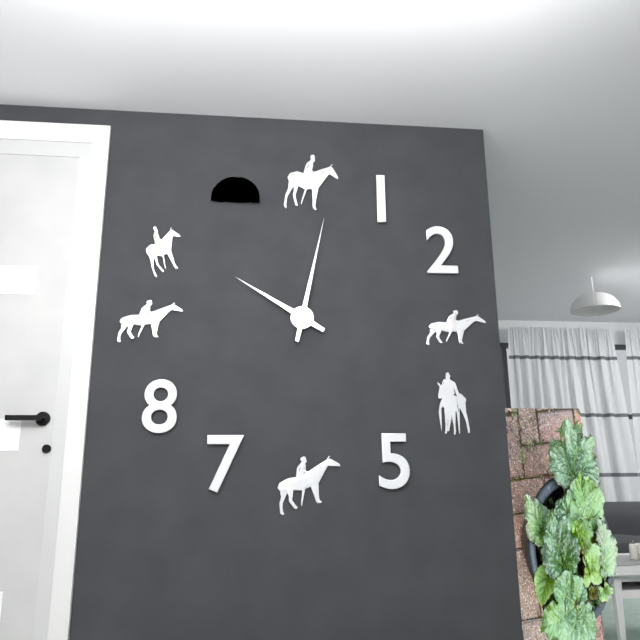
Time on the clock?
10:02
